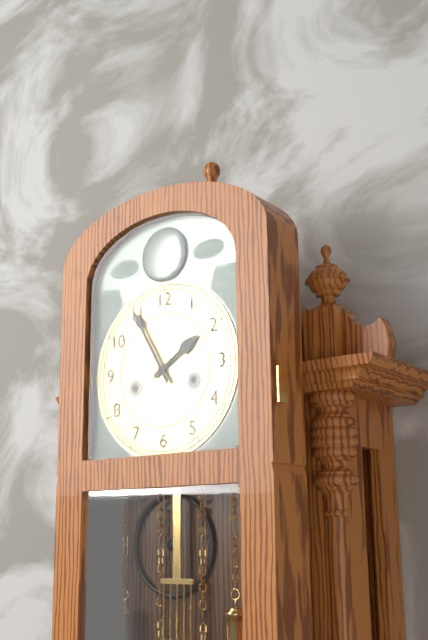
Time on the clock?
1:55
